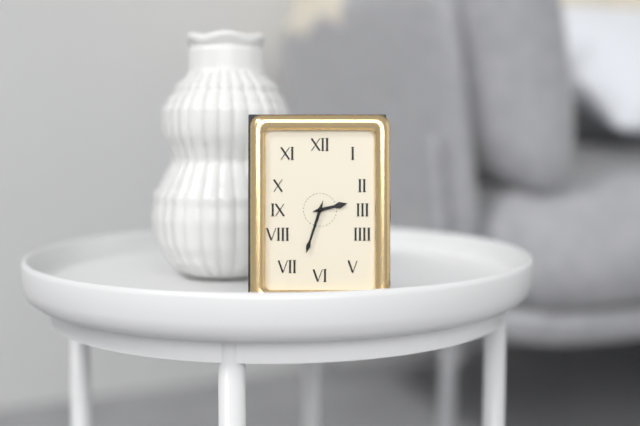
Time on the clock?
2:33
